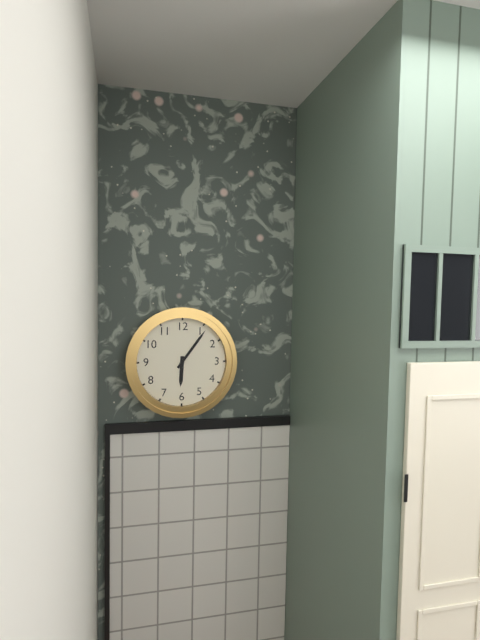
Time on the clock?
6:06
